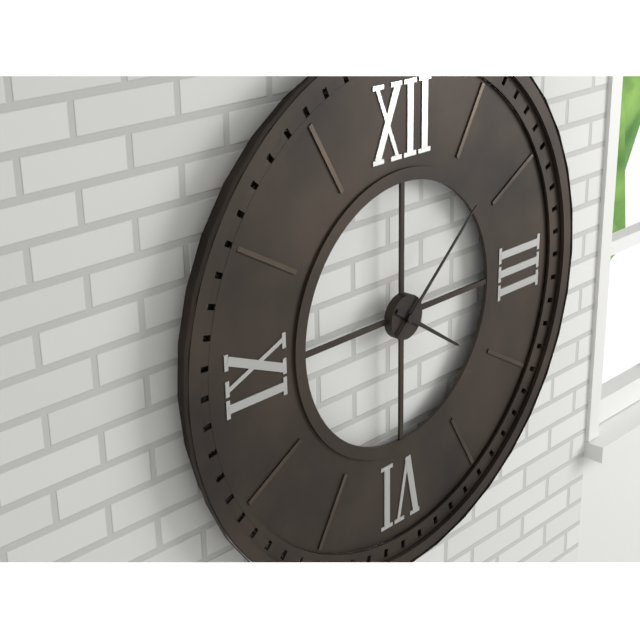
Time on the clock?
4:08
